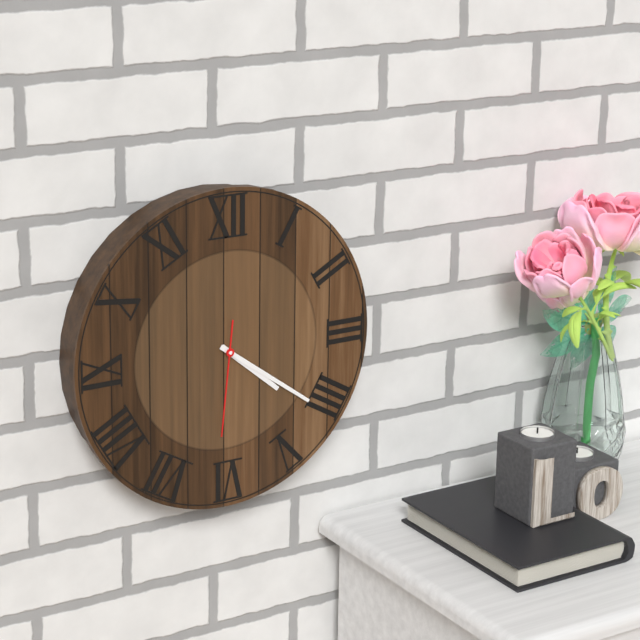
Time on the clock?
4:21:31
